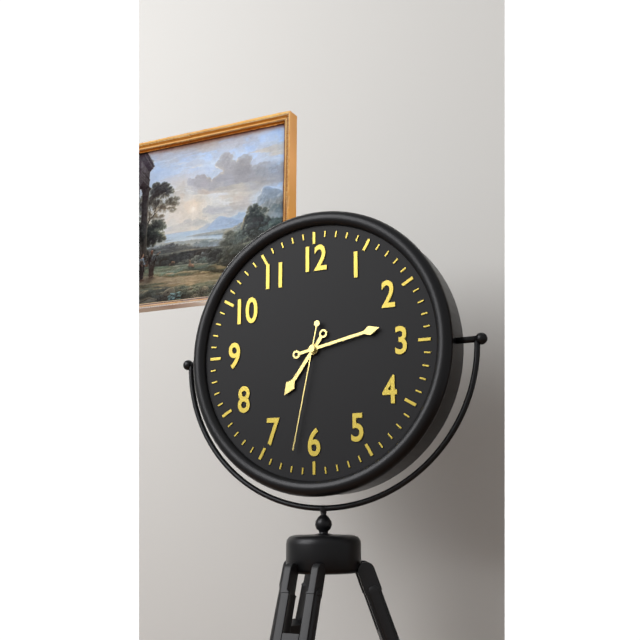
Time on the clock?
7:13:32
